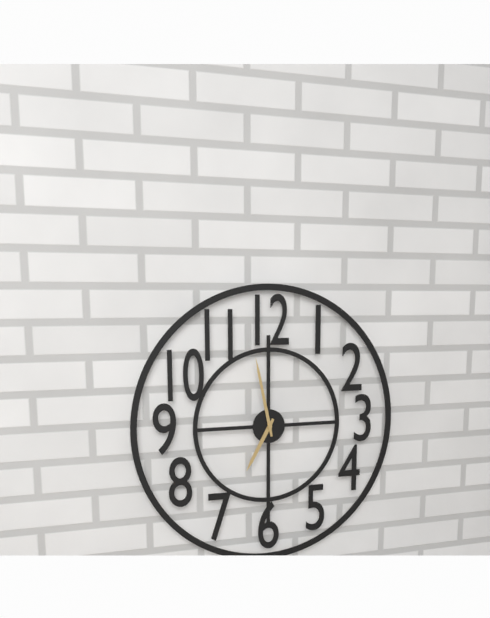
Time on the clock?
6:58
